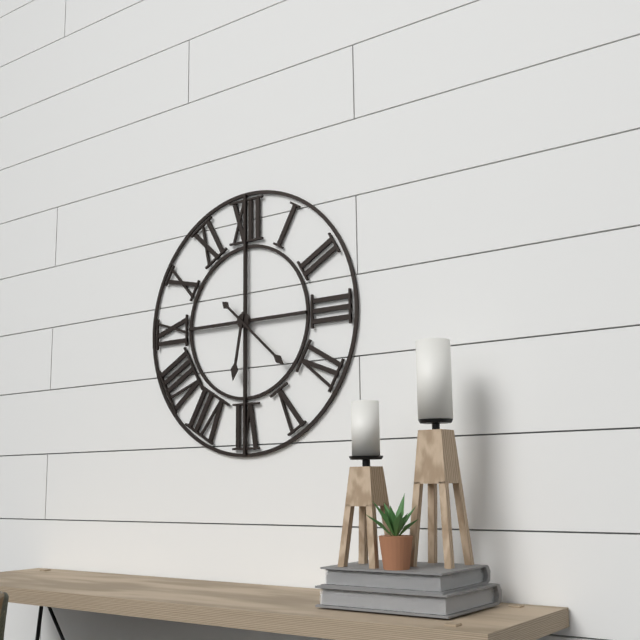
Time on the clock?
6:22
